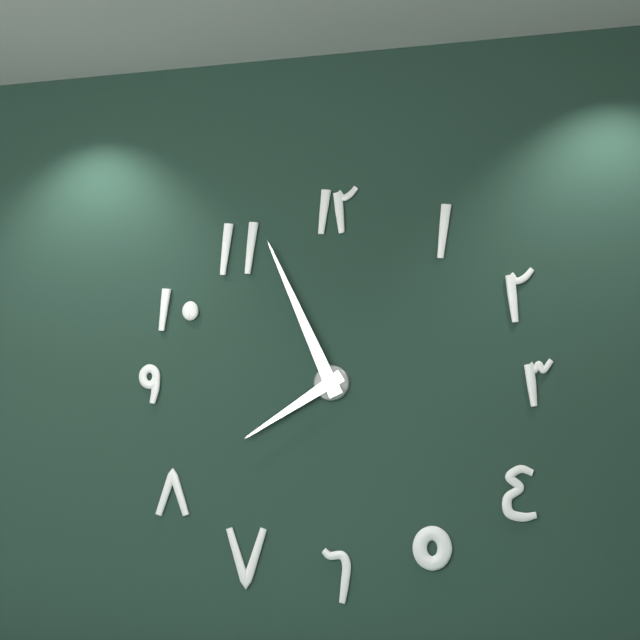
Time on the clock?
7:56
